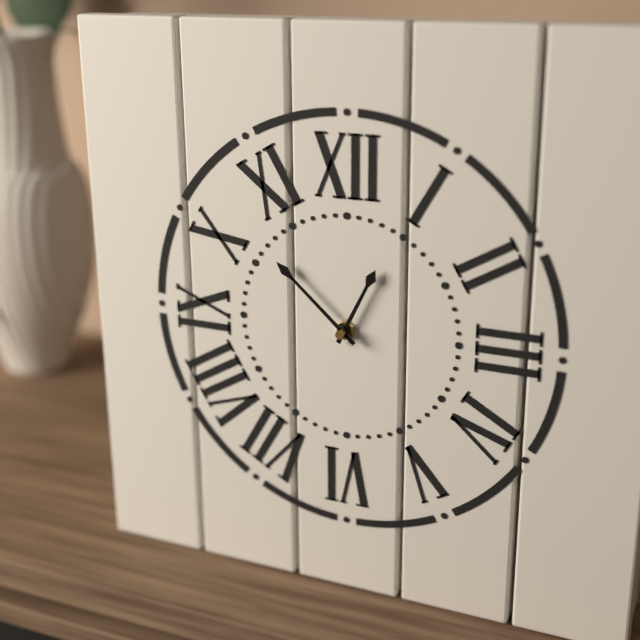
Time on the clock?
12:52
